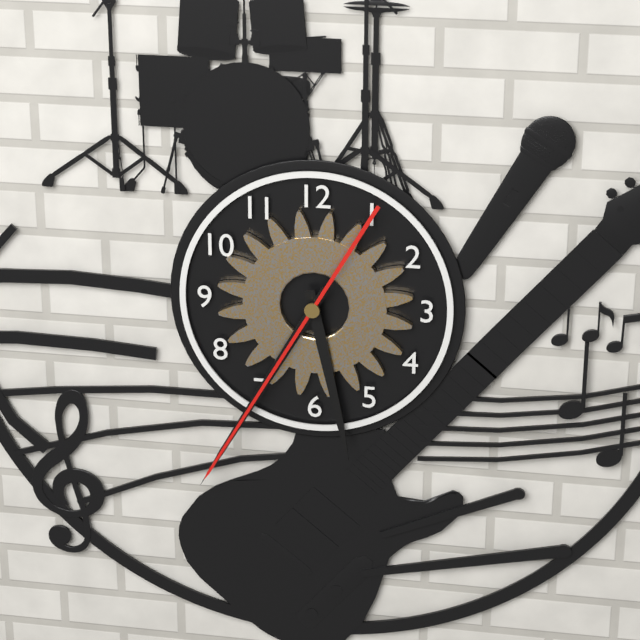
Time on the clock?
5:35:35
